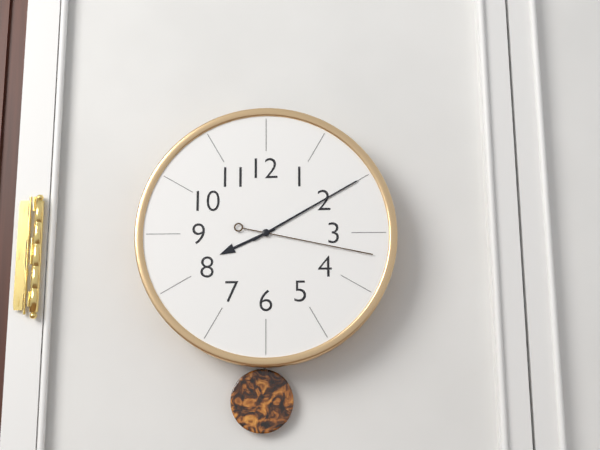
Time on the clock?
8:10:17
